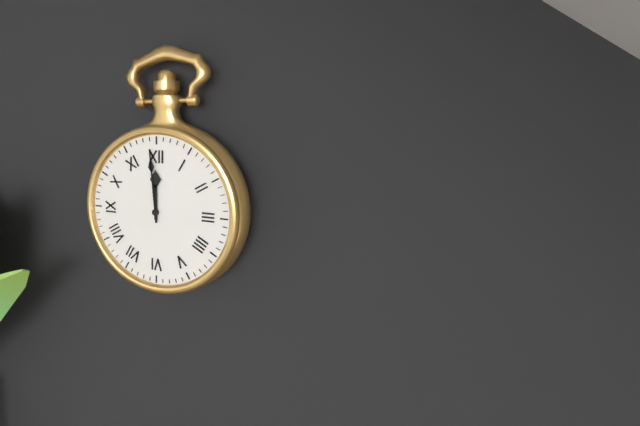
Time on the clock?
11:59
